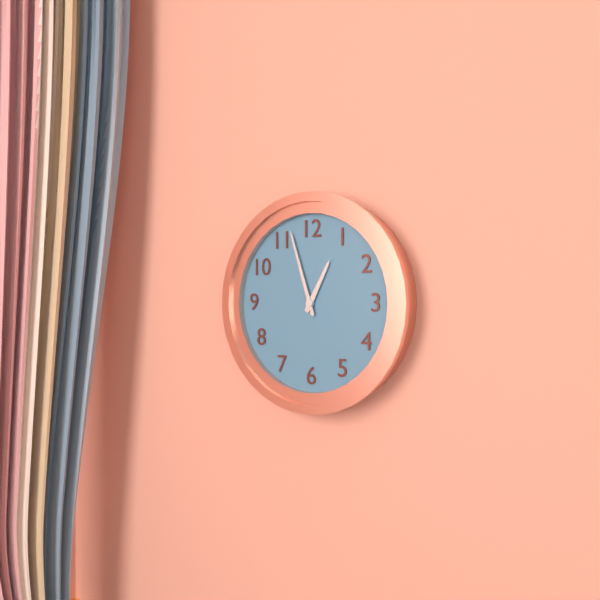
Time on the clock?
12:57
